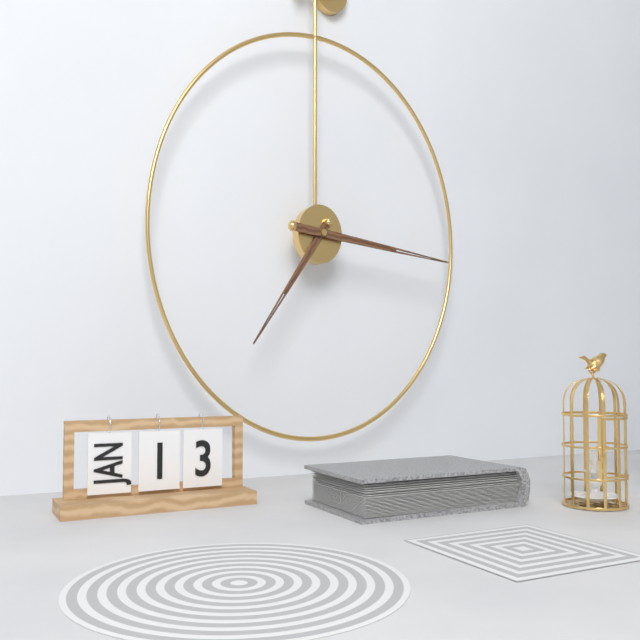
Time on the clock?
7:16
